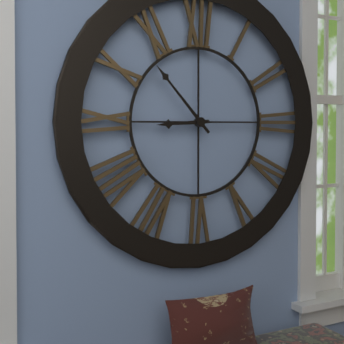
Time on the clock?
8:53
